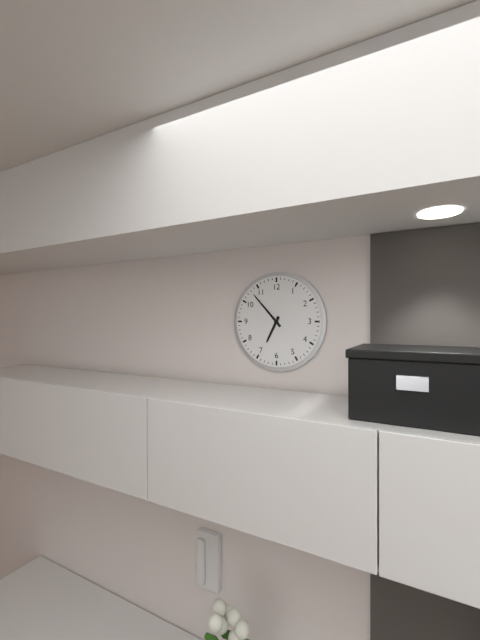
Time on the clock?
6:53
